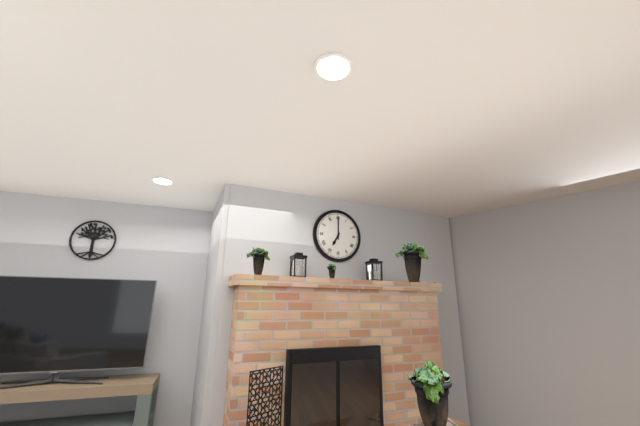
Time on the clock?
7:00
